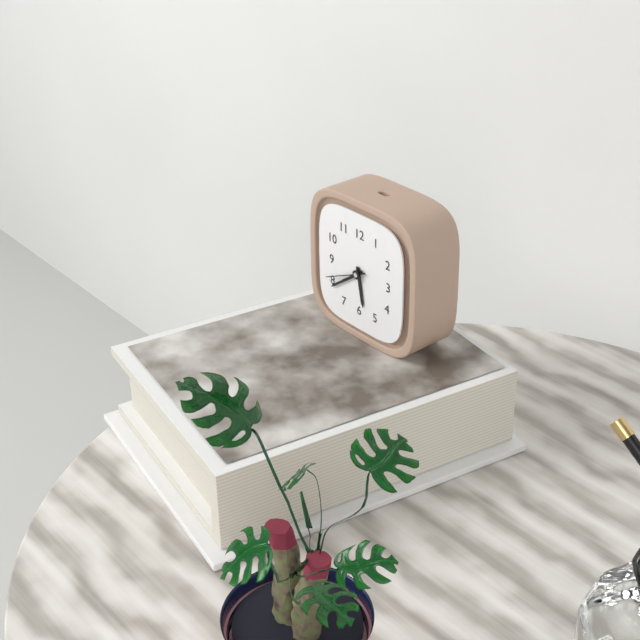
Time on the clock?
5:39
